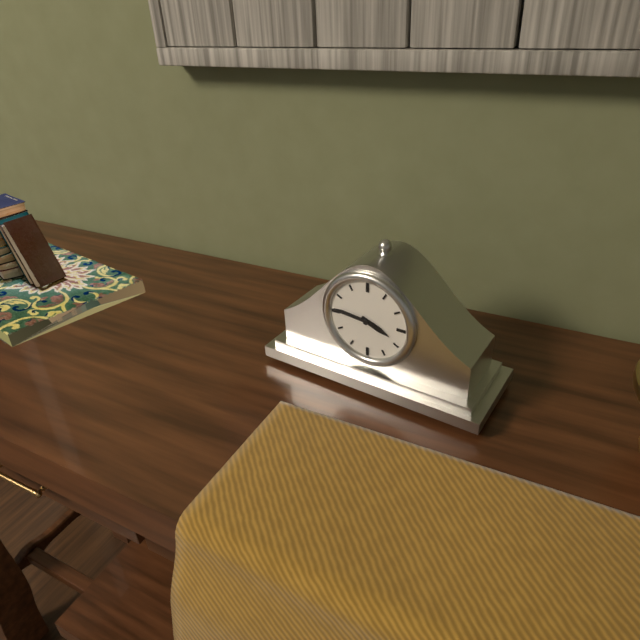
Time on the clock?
3:46
